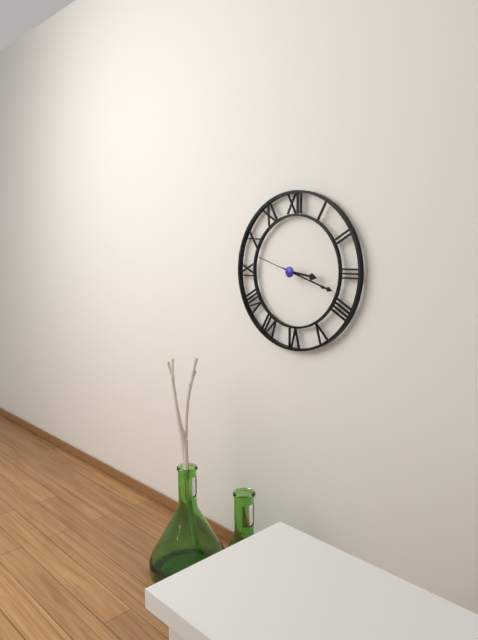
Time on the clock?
3:18:48
